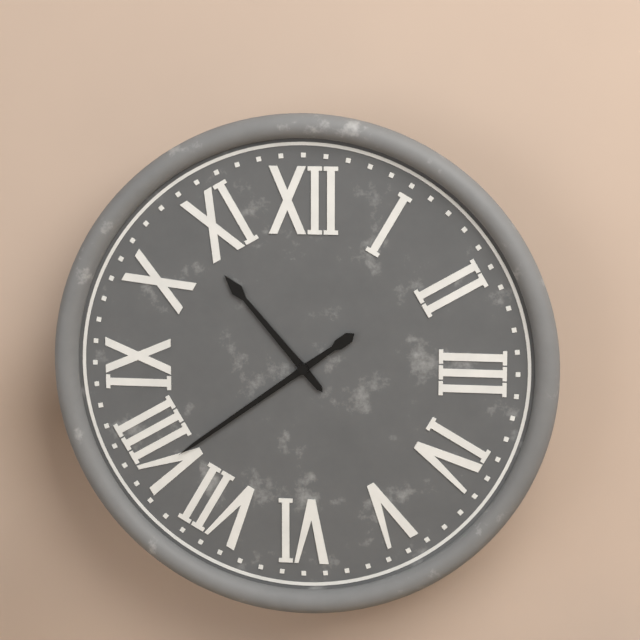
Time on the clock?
10:39
